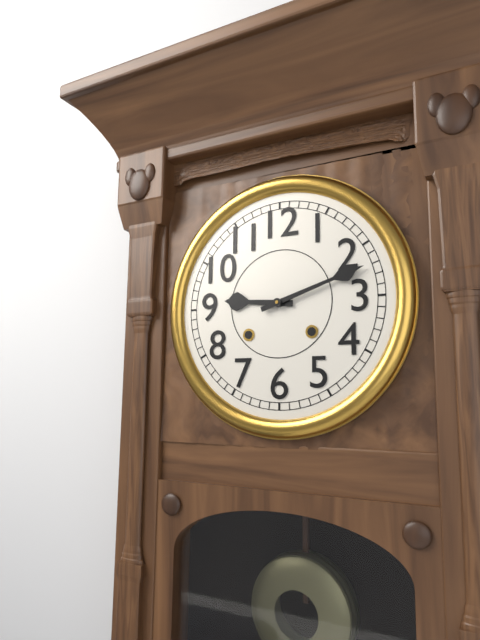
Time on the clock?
9:12
